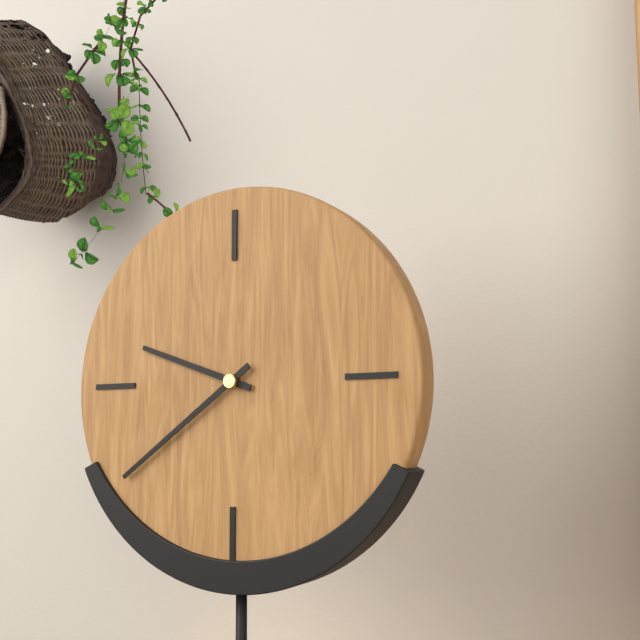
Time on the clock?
9:39
